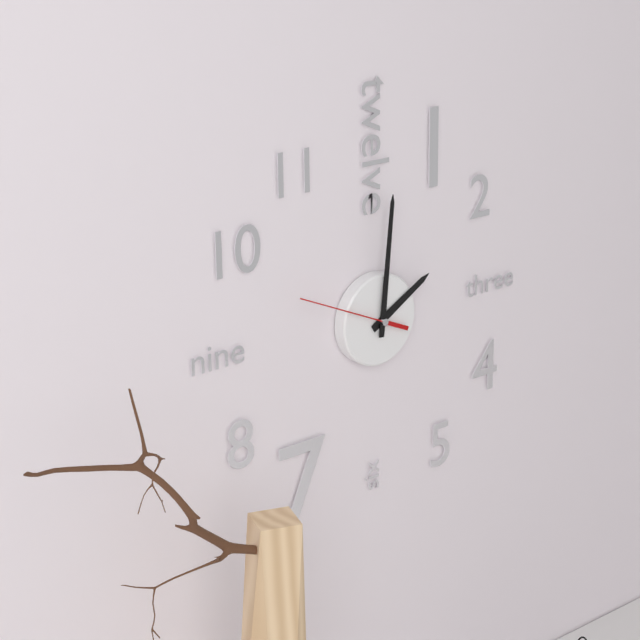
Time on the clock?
2:01:49
